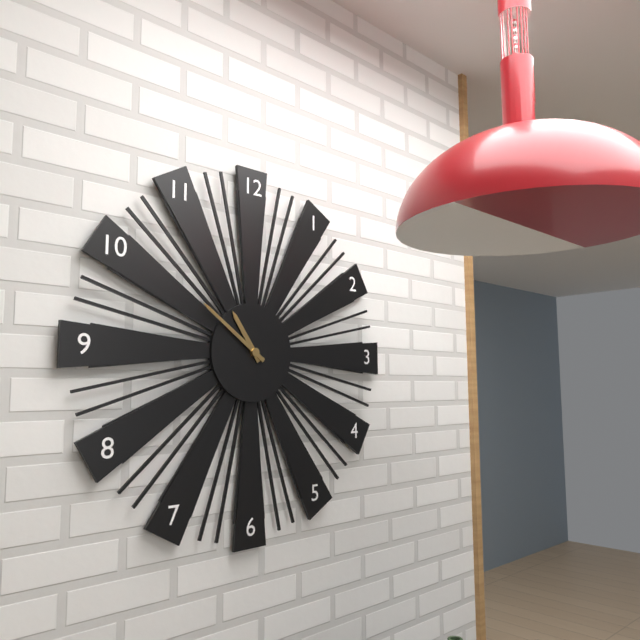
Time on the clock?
10:51
